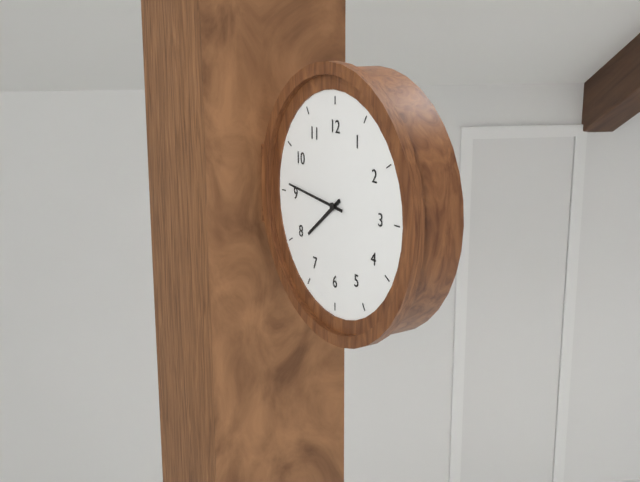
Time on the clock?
7:46
